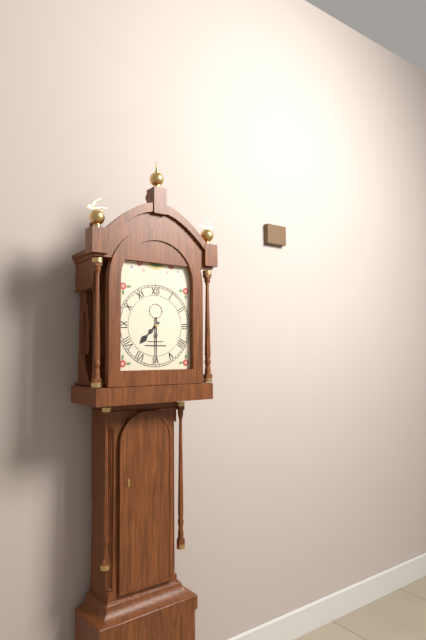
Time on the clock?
7:30
